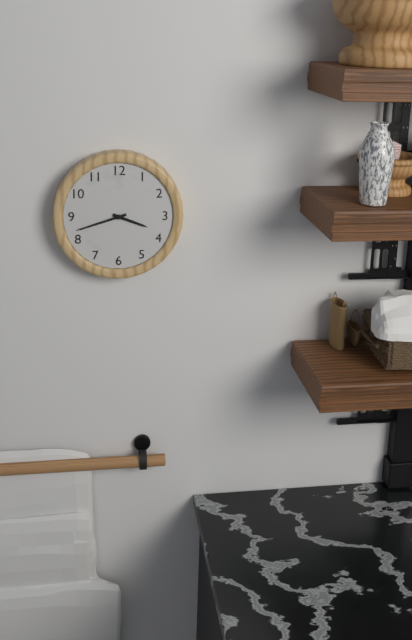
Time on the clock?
3:42
